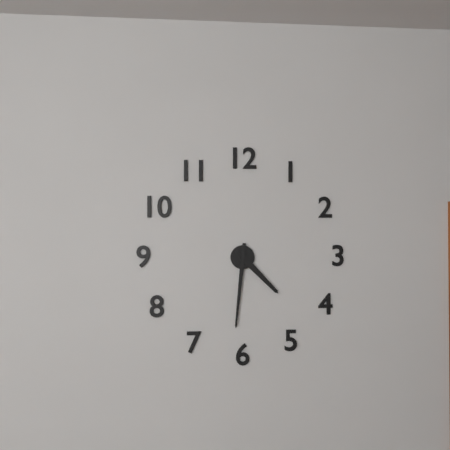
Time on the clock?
4:31
